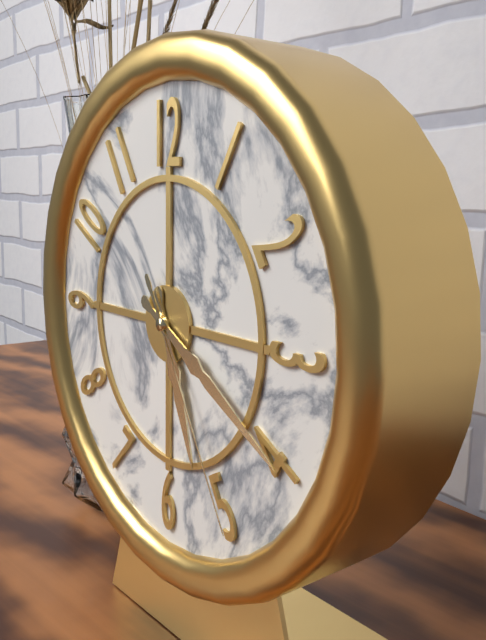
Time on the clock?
5:20:25
